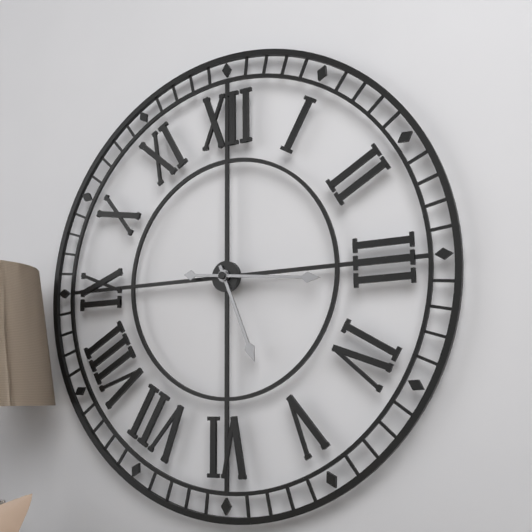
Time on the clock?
5:16
